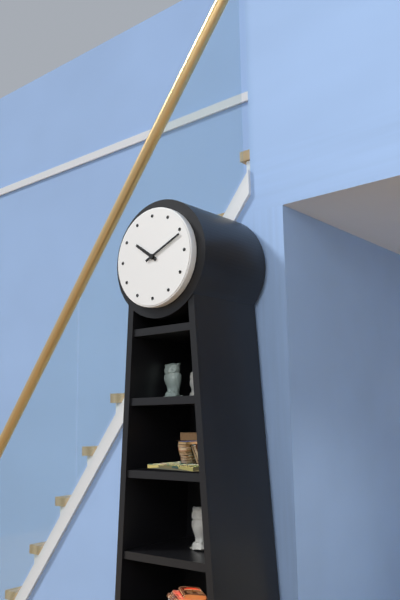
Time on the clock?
10:11
